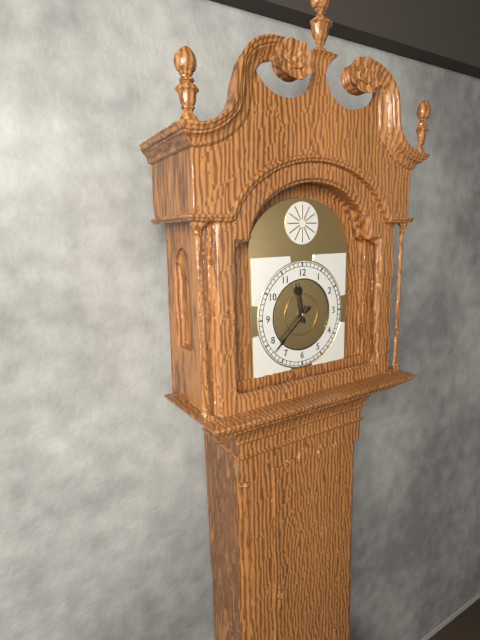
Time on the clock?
11:38
